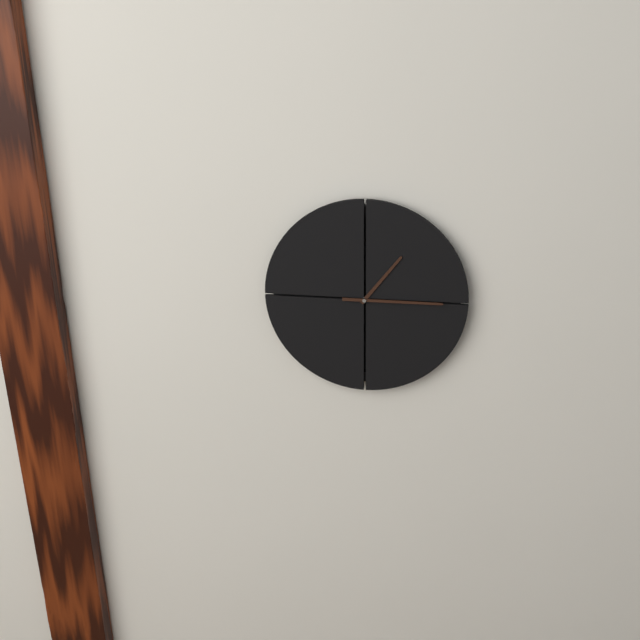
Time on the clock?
1:15
